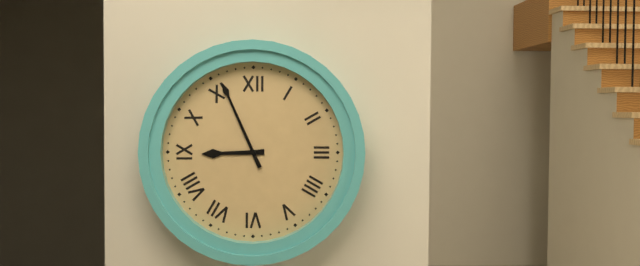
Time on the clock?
8:56
